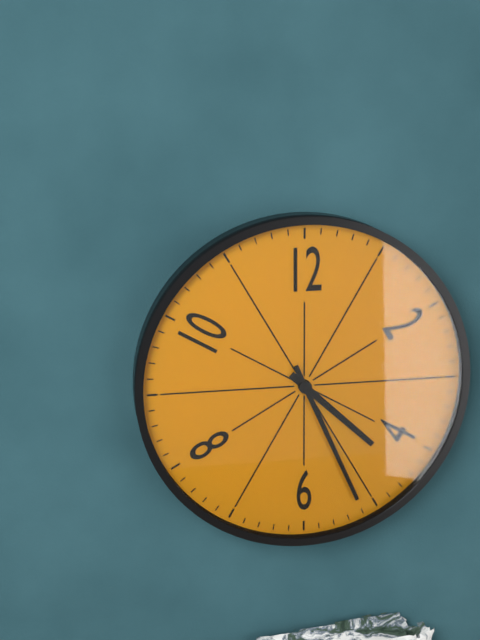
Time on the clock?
4:26
